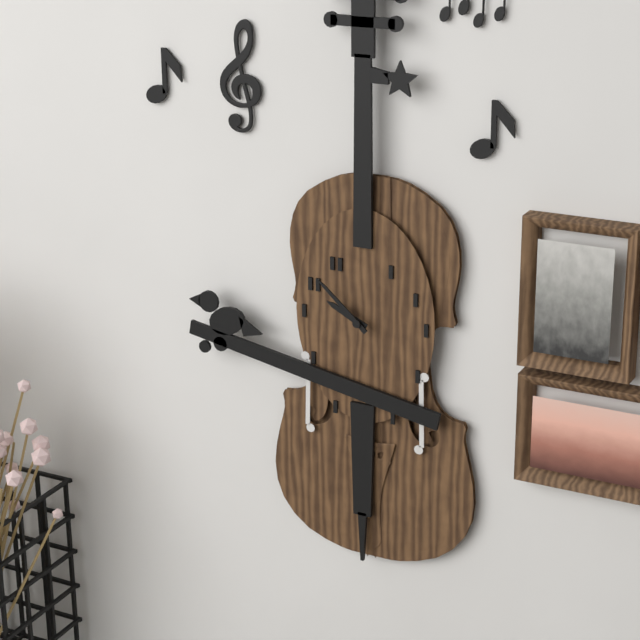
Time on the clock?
9:52
